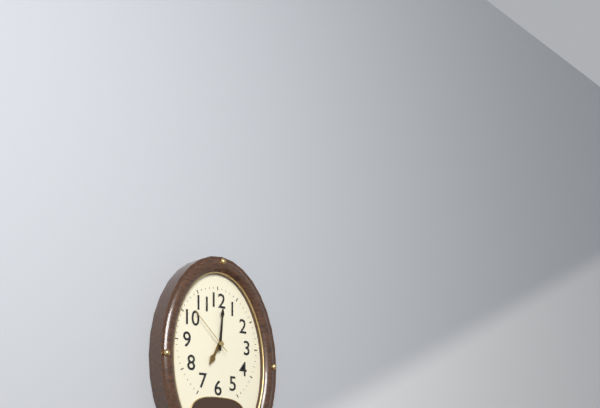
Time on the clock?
7:01:52
